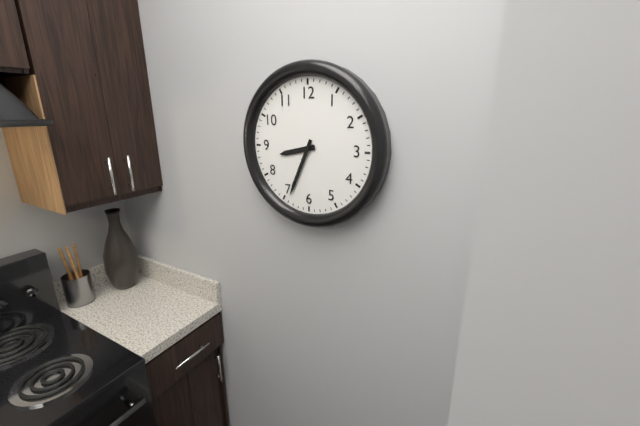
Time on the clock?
8:34
